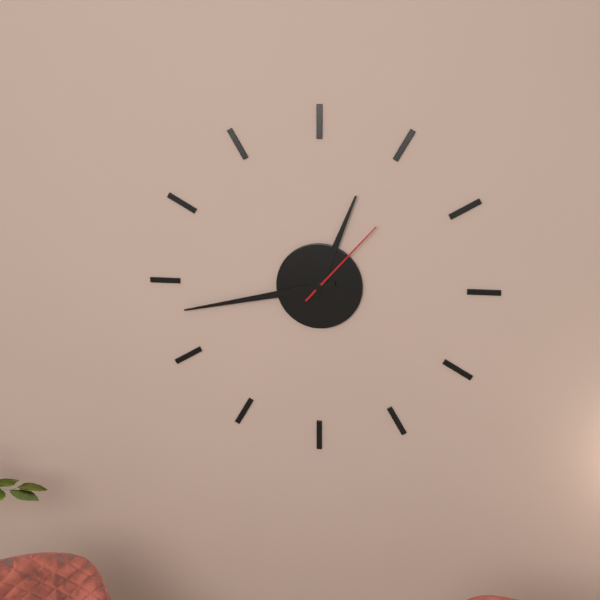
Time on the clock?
12:43:07
